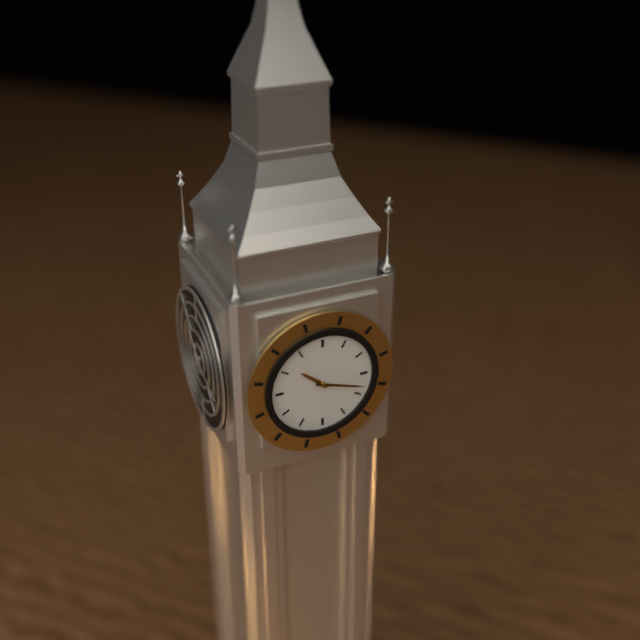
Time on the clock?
10:18
